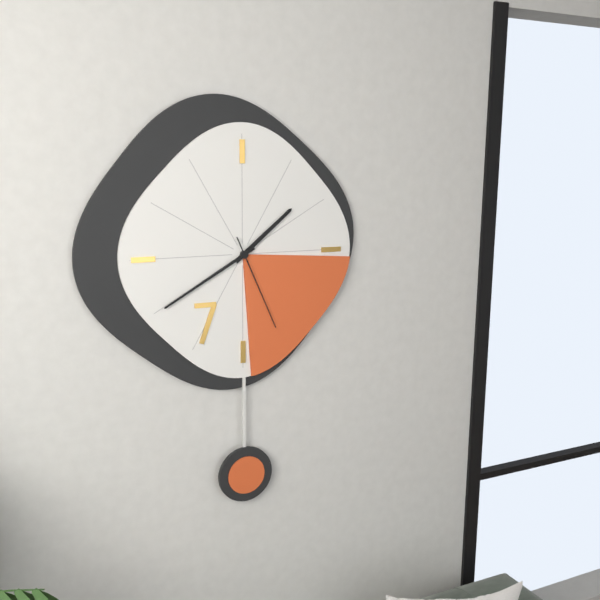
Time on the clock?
1:40:26
